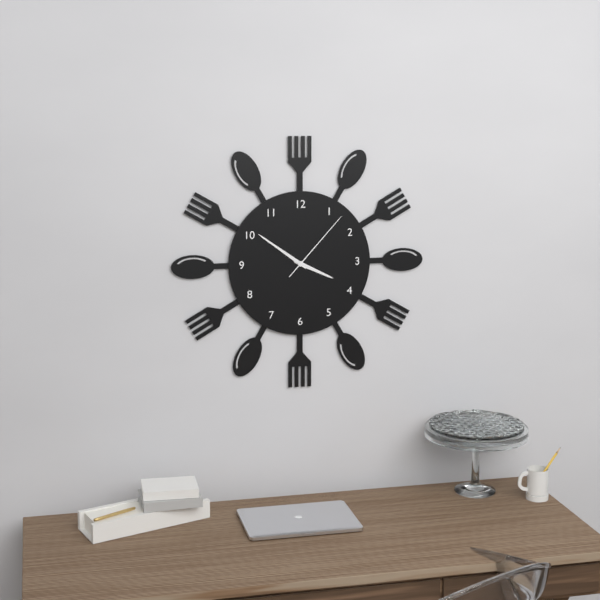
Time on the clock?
3:51:07
